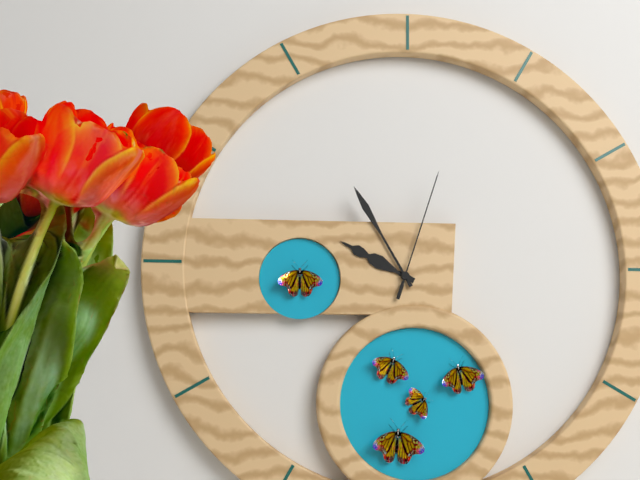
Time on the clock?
9:55:03
